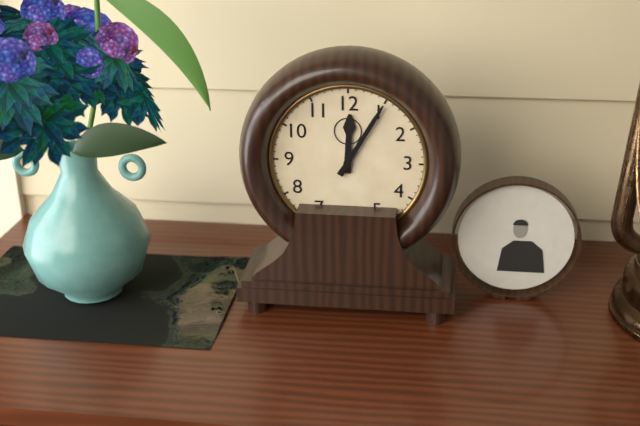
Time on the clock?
12:05
